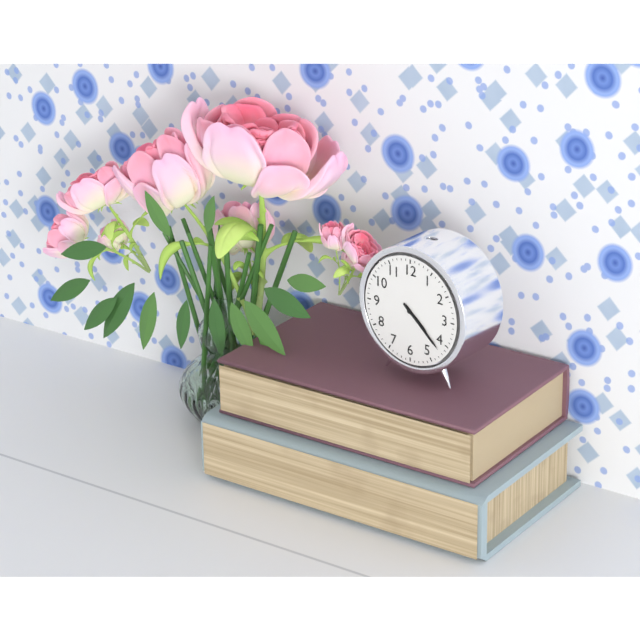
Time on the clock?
4:22
